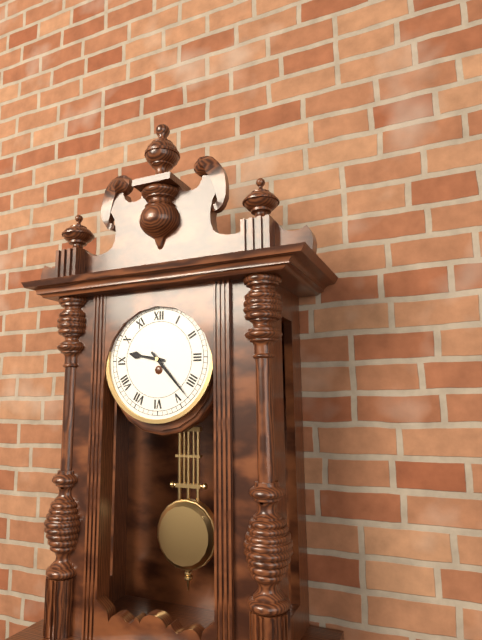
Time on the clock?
9:23
